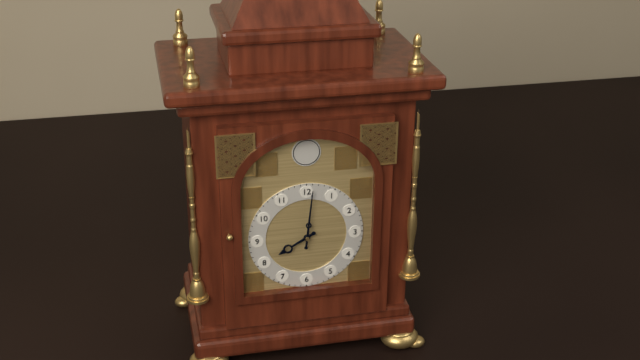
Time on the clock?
8:01
